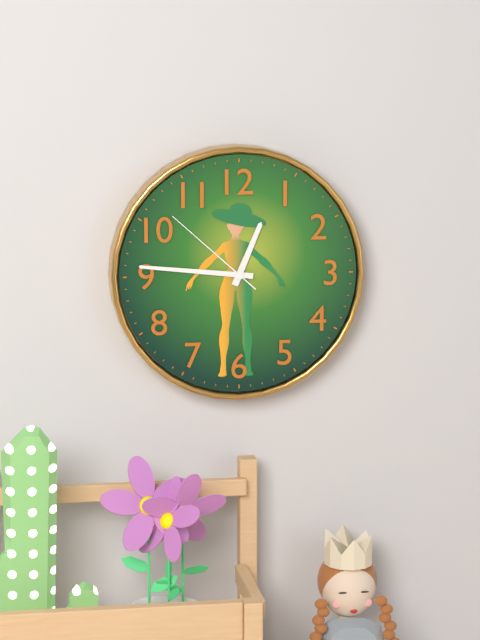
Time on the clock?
12:46:52
